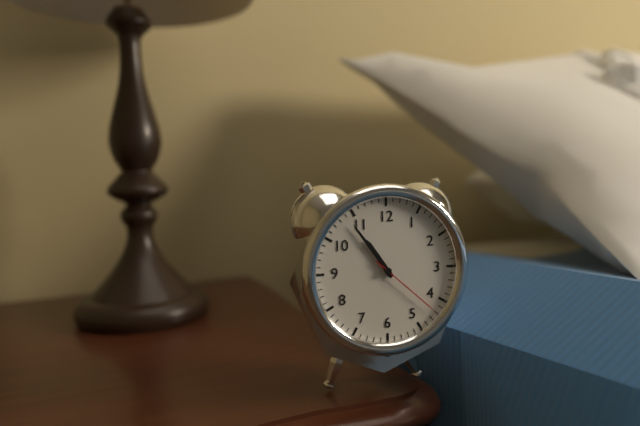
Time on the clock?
10:54:22
